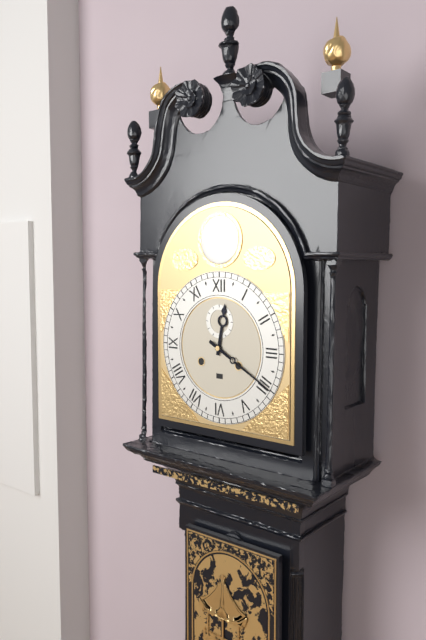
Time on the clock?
12:20
